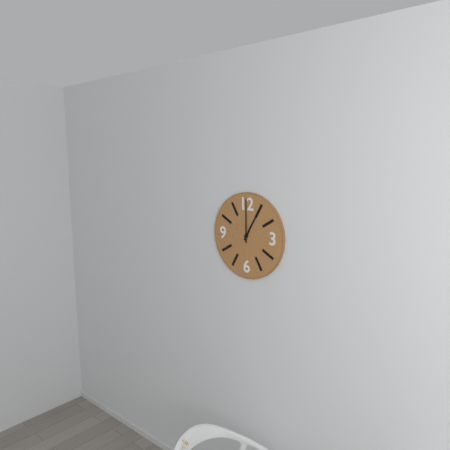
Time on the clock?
1:00
